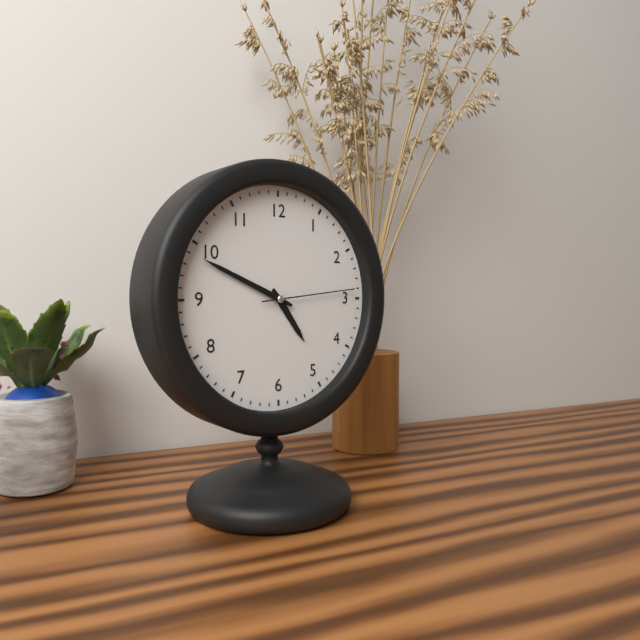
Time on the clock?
4:49:14
